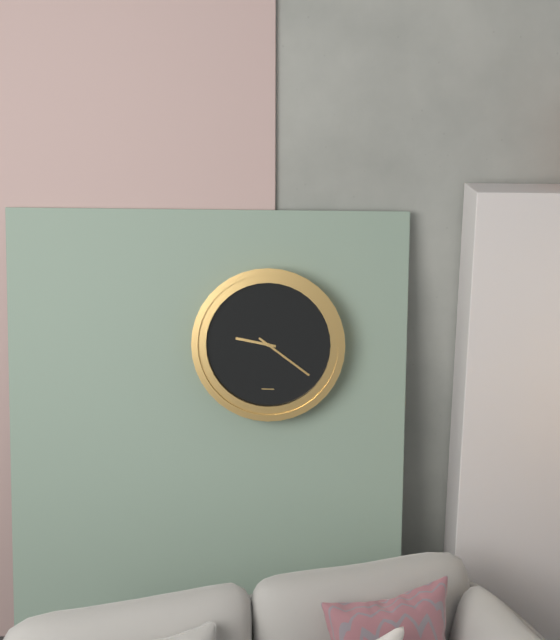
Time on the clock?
9:21
